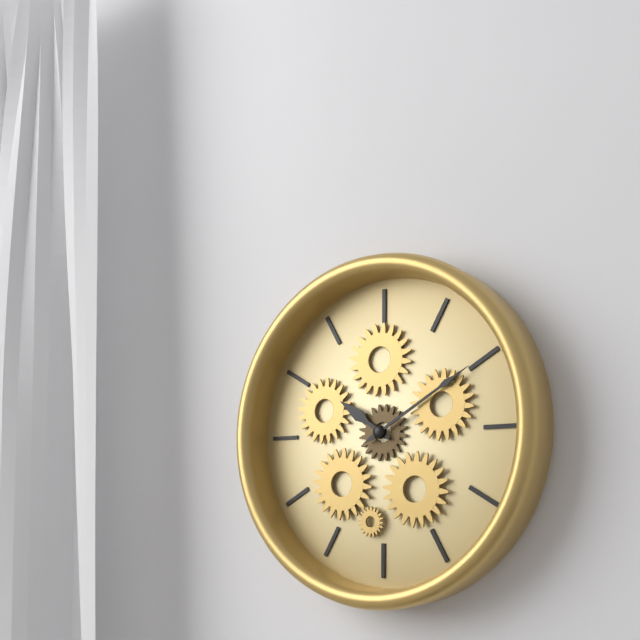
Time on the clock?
10:10
